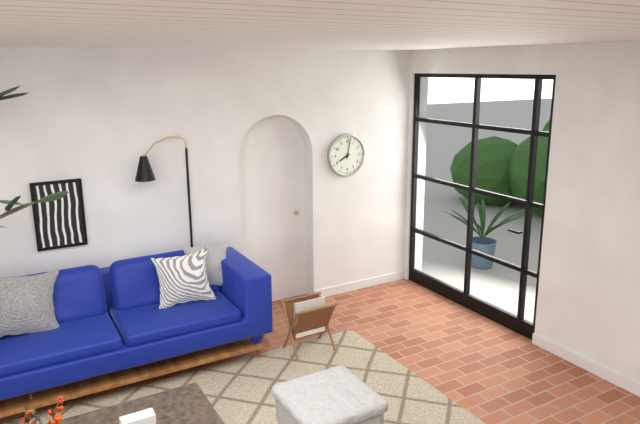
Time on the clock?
8:02
